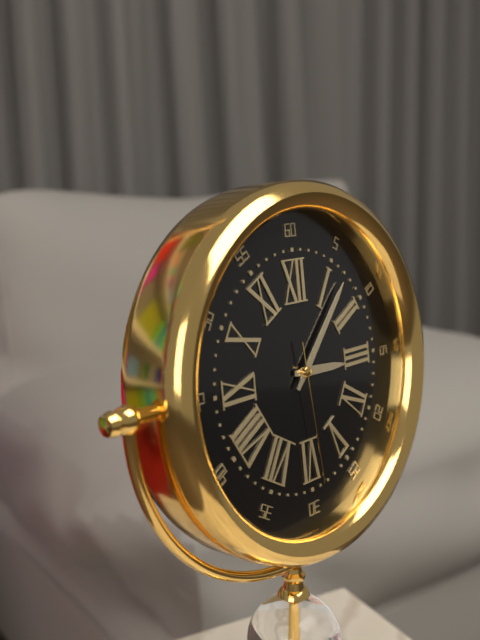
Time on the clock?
3:07:29
